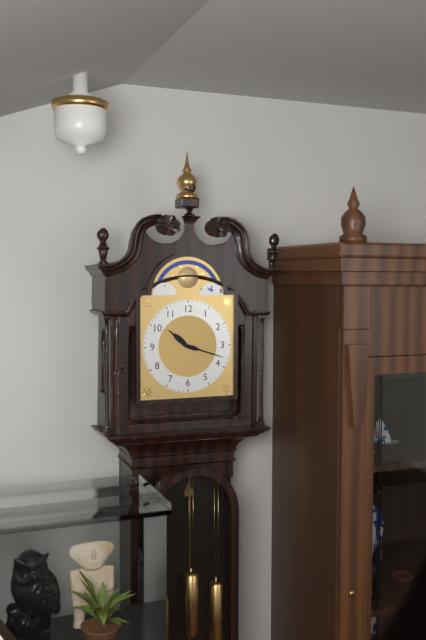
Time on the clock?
10:18
